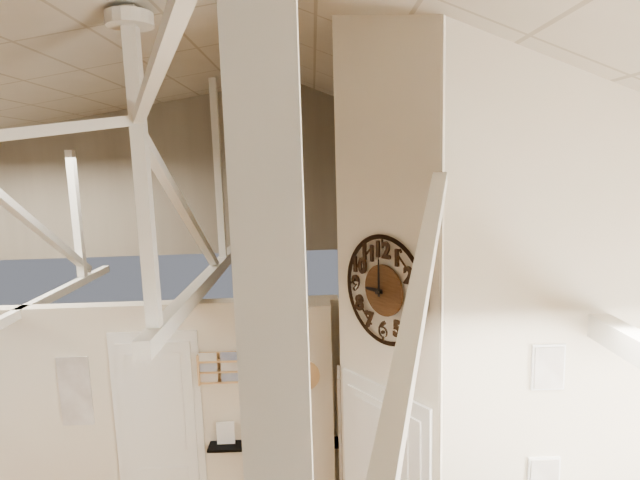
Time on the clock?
9:00
